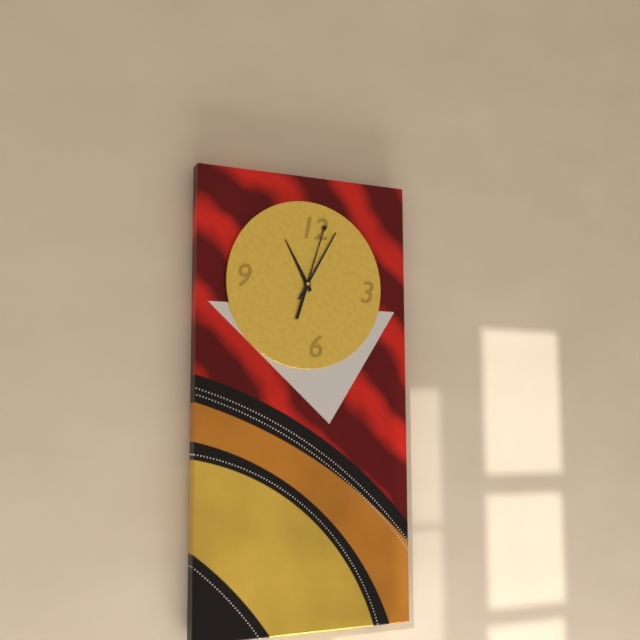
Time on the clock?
11:03:05
